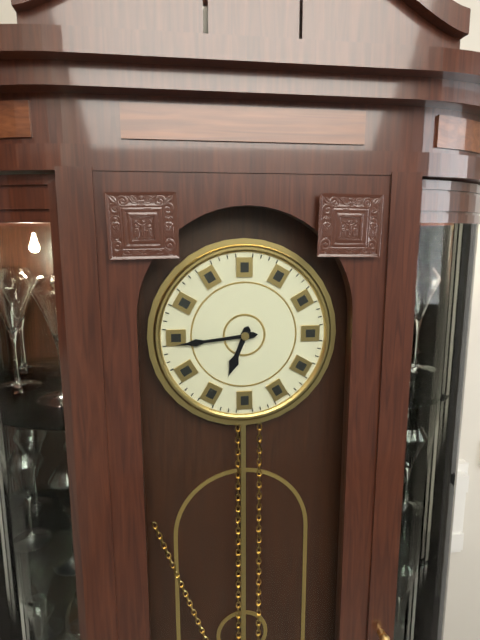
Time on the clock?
6:44
